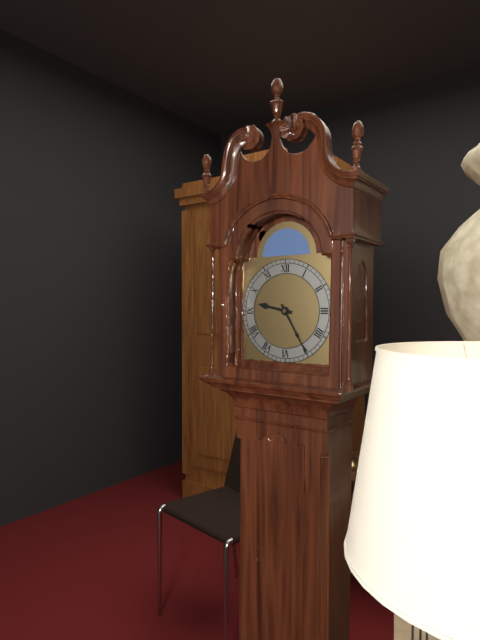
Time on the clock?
9:25
